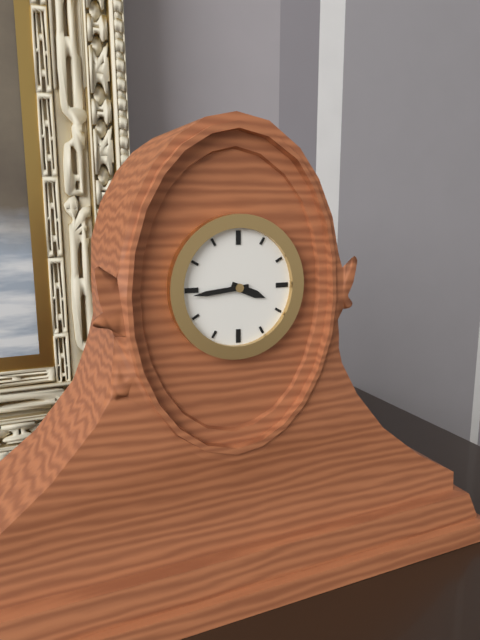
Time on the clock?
3:44
